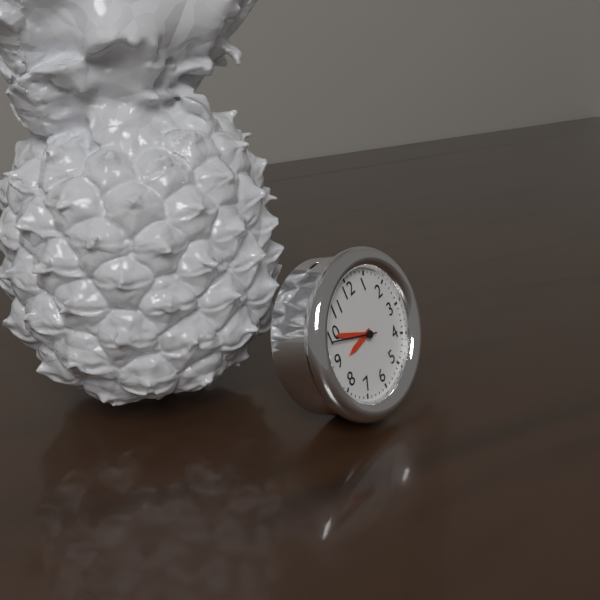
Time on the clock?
8:50
